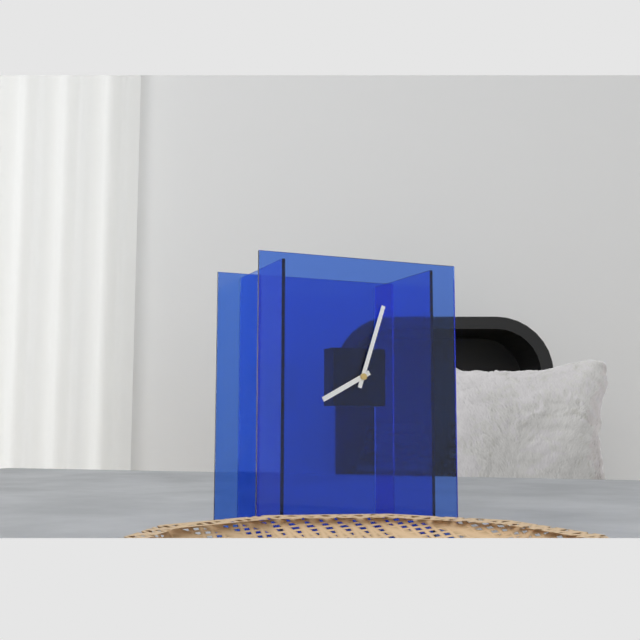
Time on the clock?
8:03
